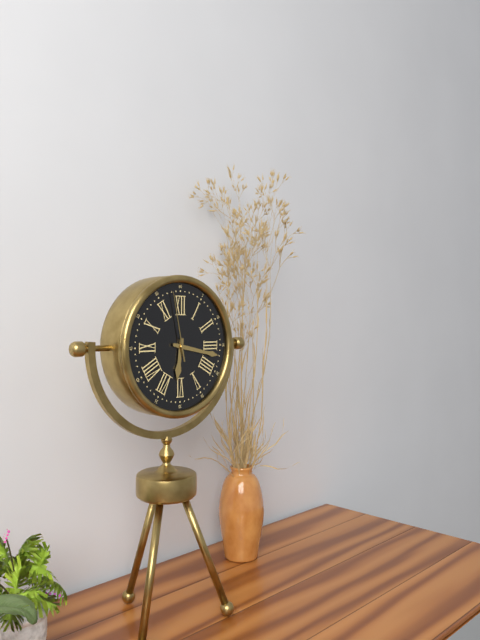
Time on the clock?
6:17:58
